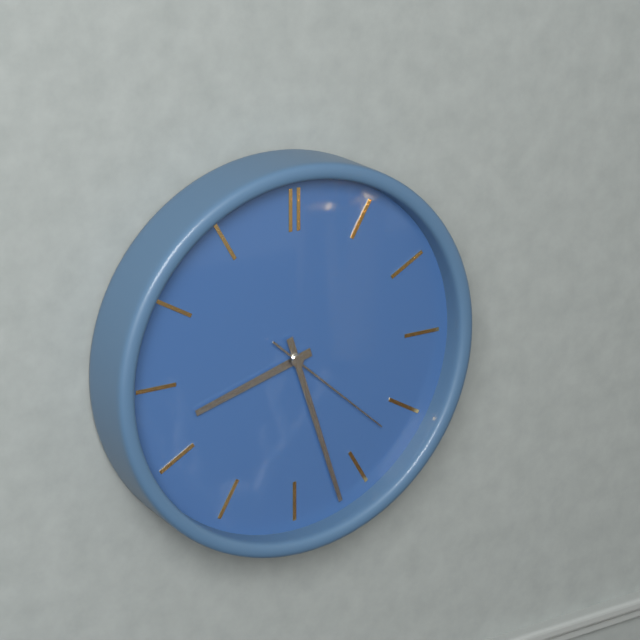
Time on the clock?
8:27:22
